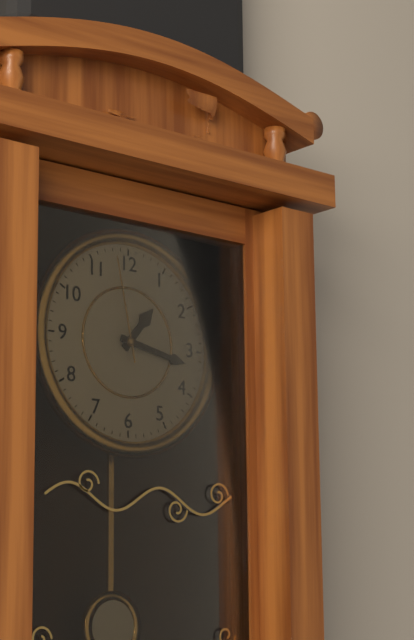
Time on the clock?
1:17:58
